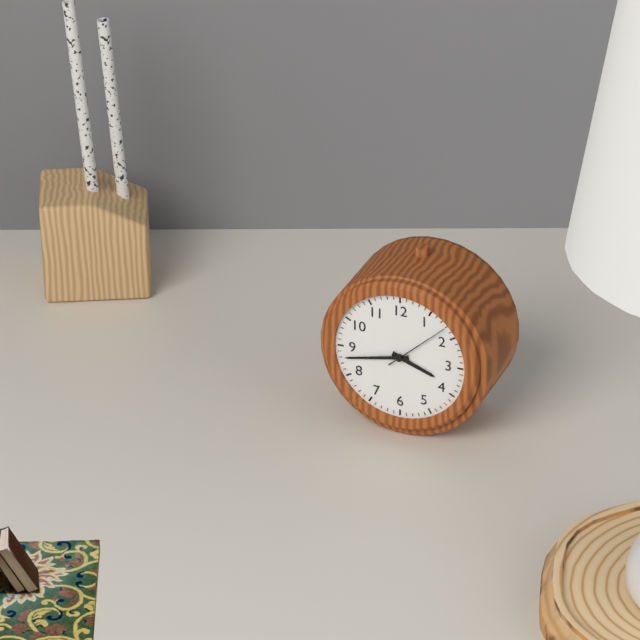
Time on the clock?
3:43:08
